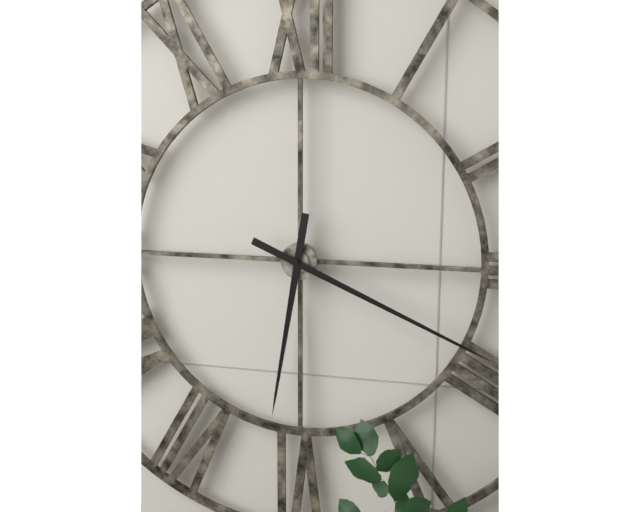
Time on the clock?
6:19
